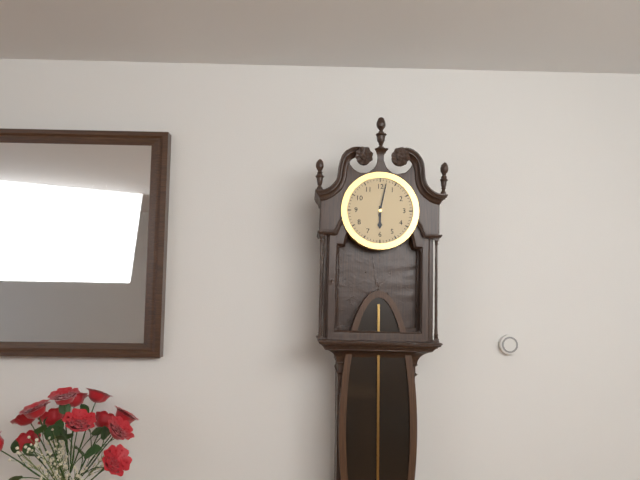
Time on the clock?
6:02
